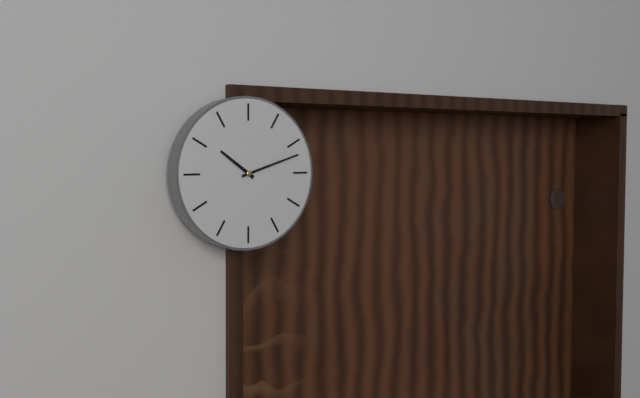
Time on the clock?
10:12
